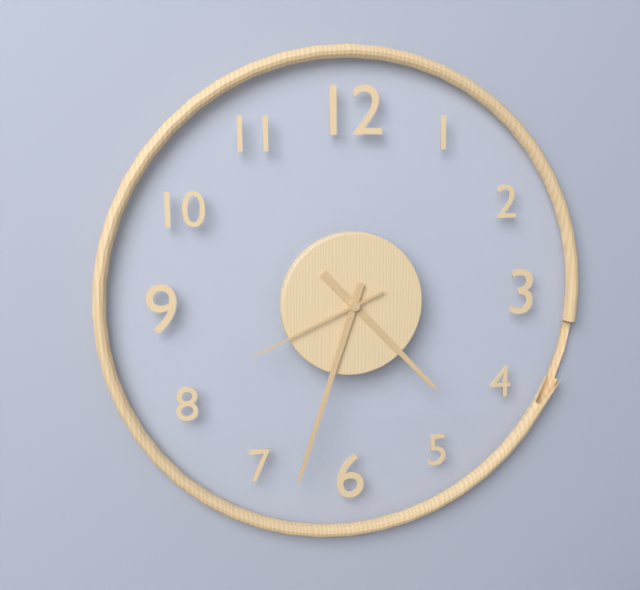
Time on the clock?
4:33:41
